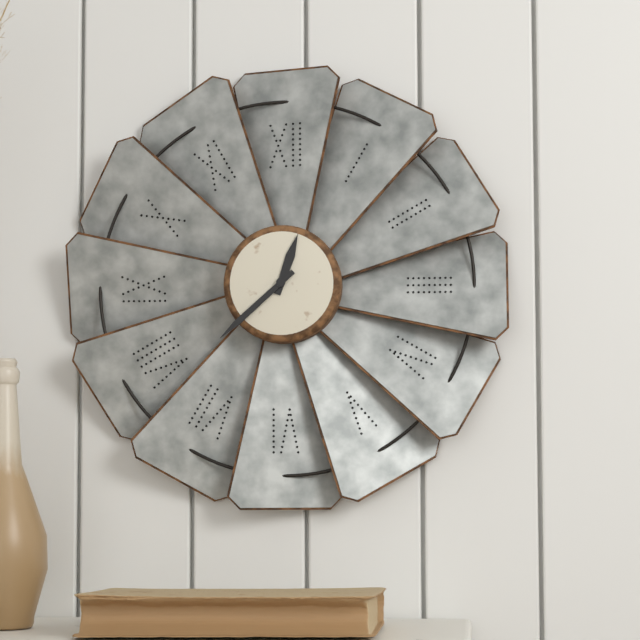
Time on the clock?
12:38
